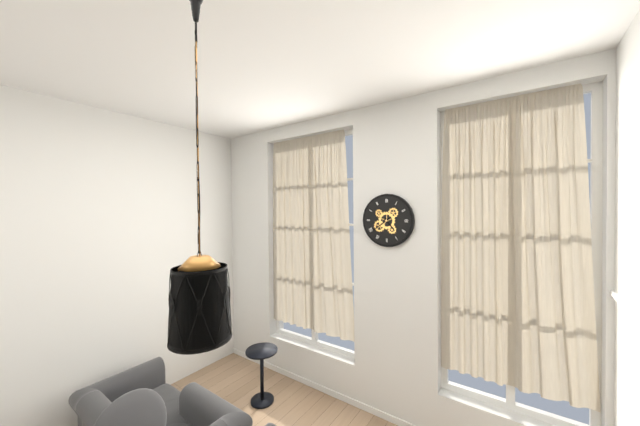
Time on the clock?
4:39
